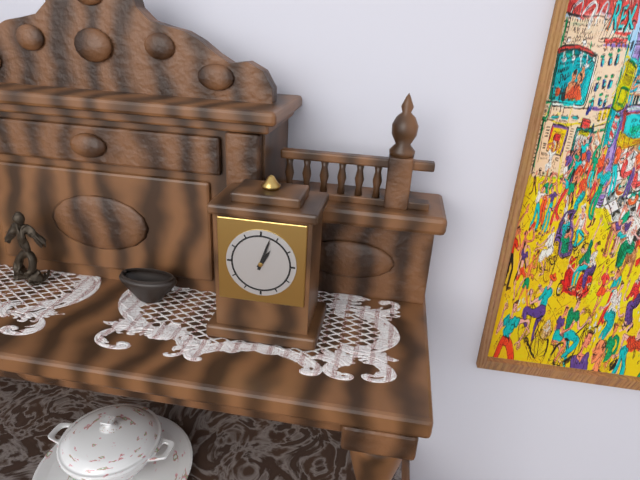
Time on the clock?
1:03
